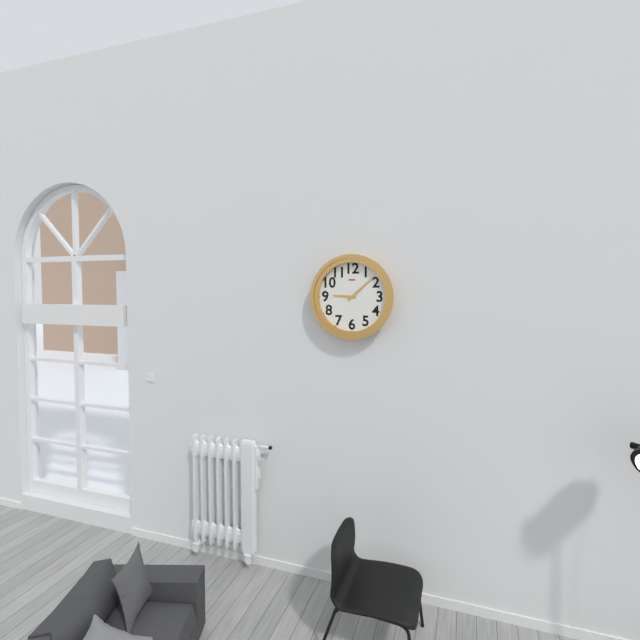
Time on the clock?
9:08
